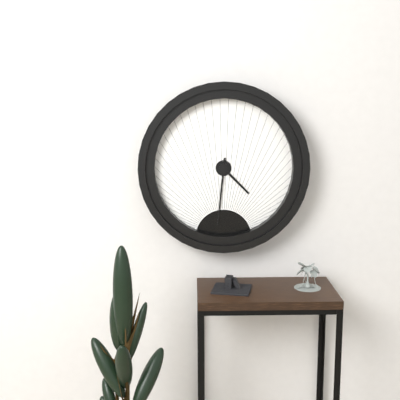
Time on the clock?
4:31
